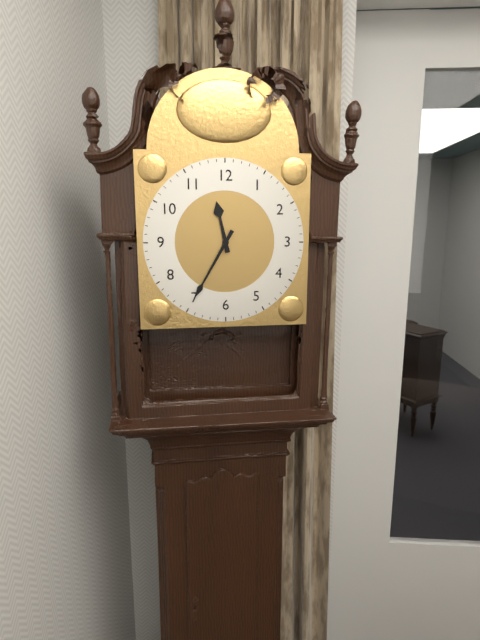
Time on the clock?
11:35
